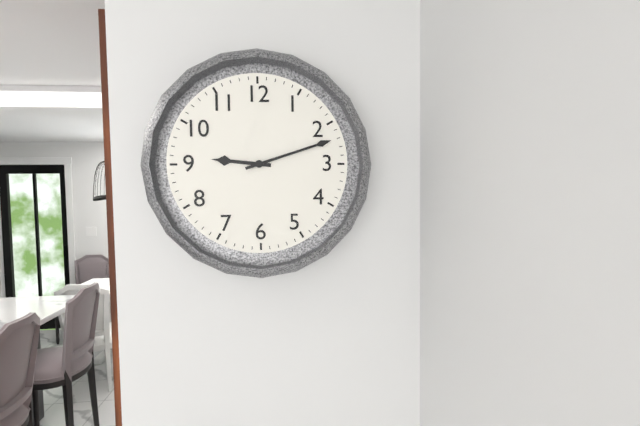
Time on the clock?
9:12
